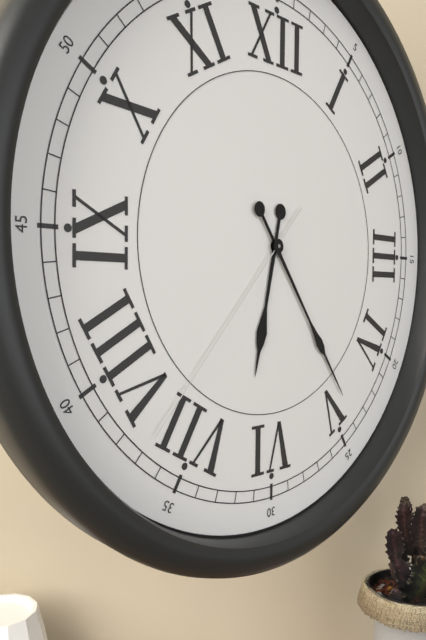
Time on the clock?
6:24:37
